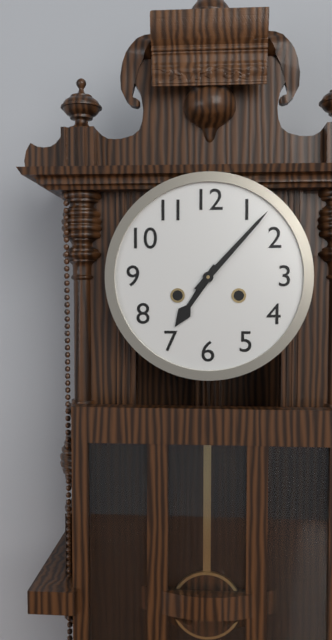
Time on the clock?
7:07
